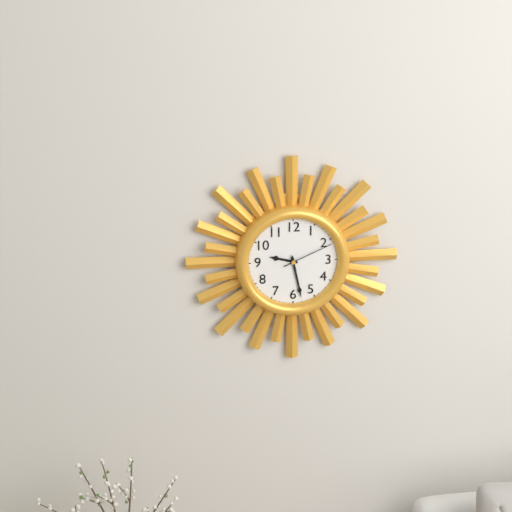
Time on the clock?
9:28:11
